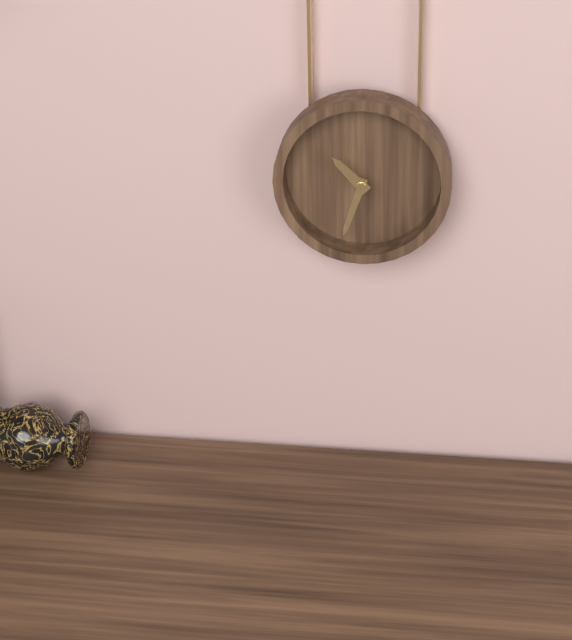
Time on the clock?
10:33
